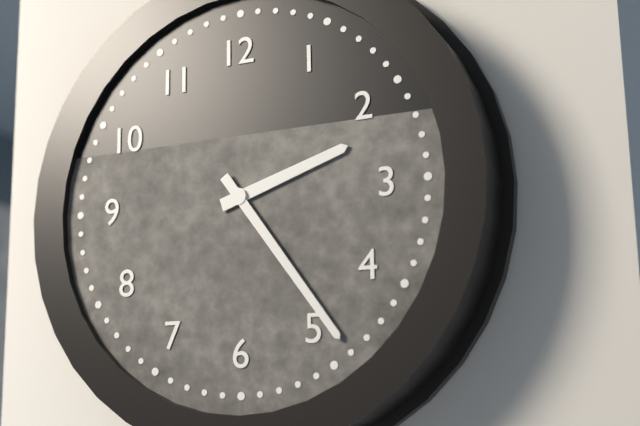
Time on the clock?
2:24
